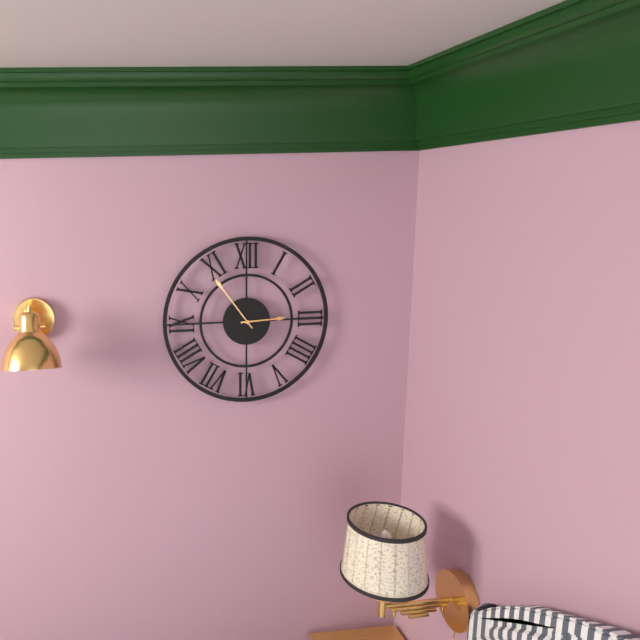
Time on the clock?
2:54
